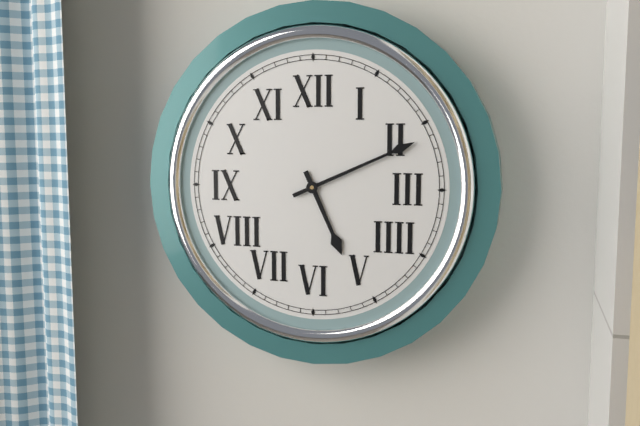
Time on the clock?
5:11
